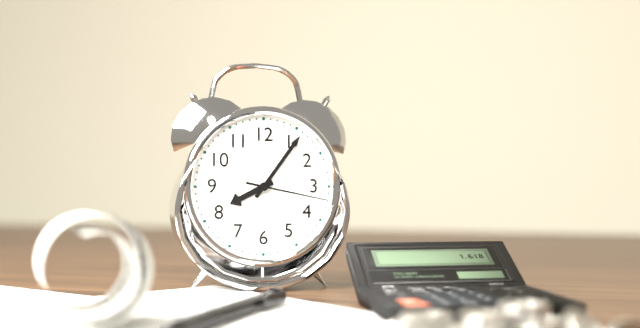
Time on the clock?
8:06:17
